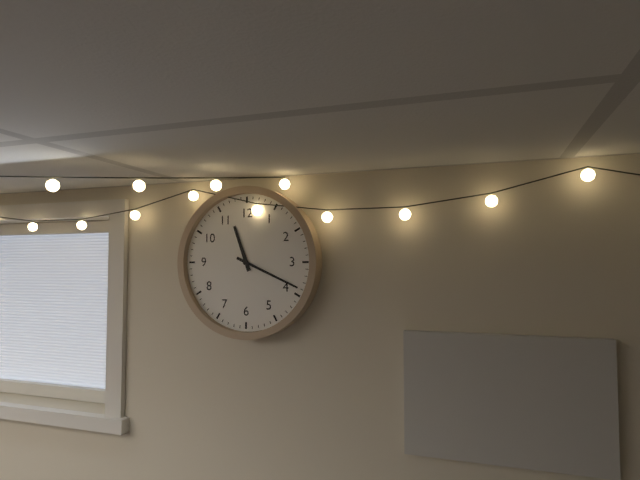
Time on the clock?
11:19
